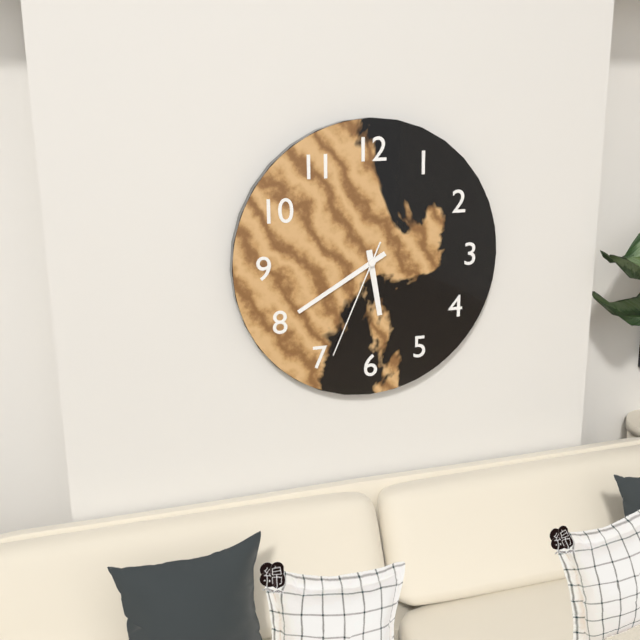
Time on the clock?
5:40:34
